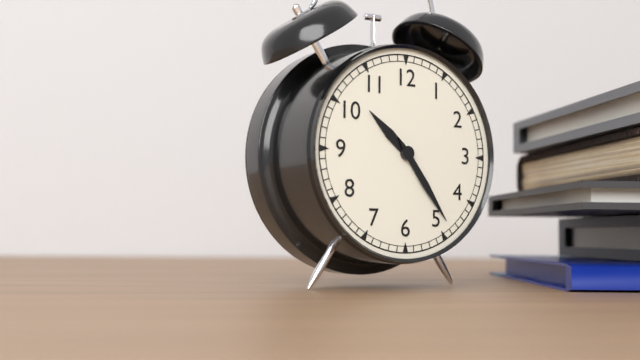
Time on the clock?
10:24
